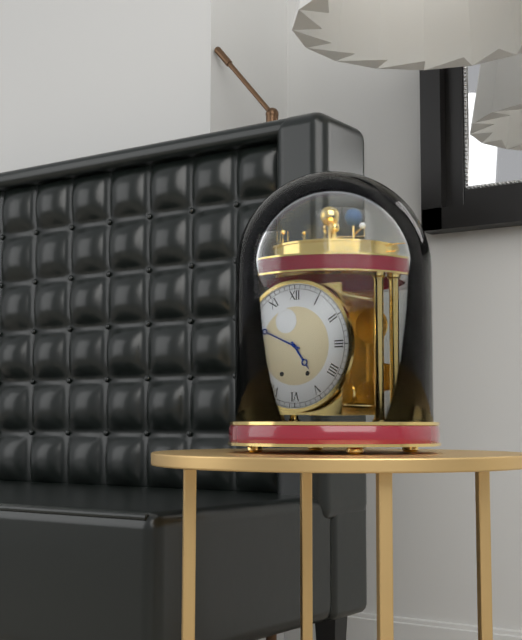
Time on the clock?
4:49
